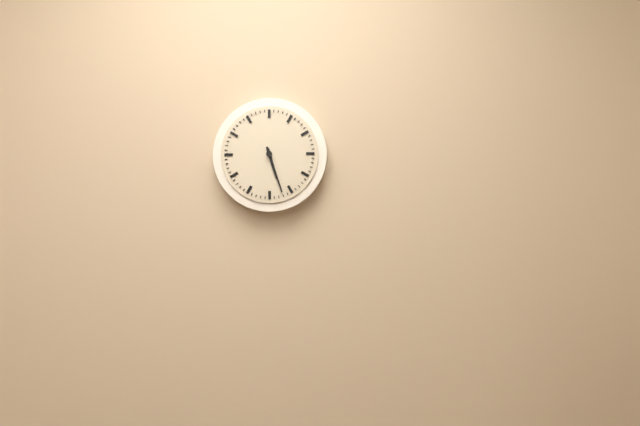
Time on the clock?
5:27
